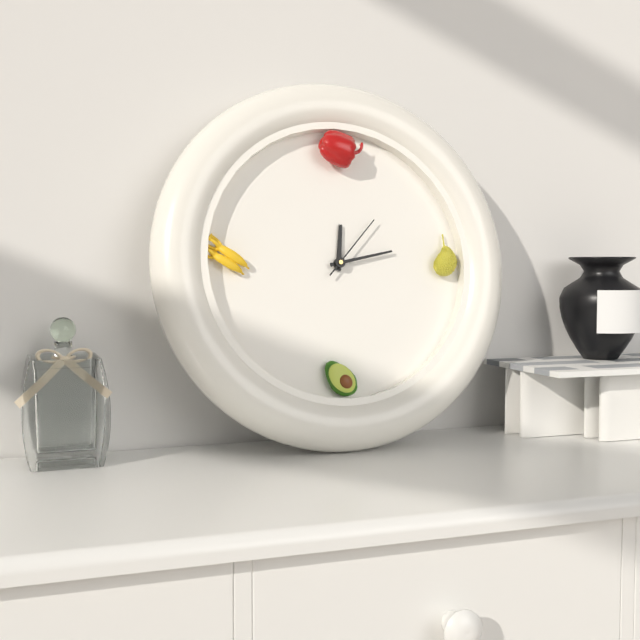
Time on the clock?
12:13:07
